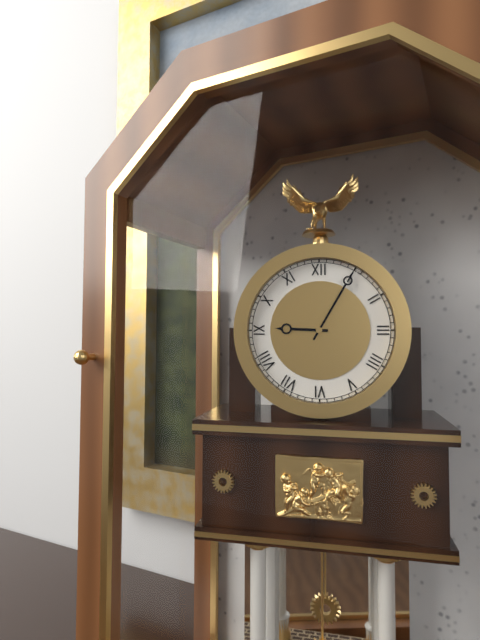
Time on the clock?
9:05
